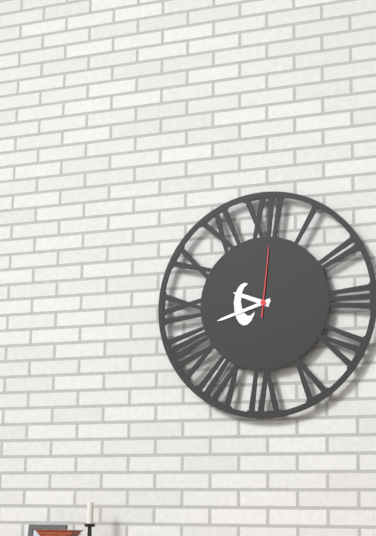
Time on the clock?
9:42:01
